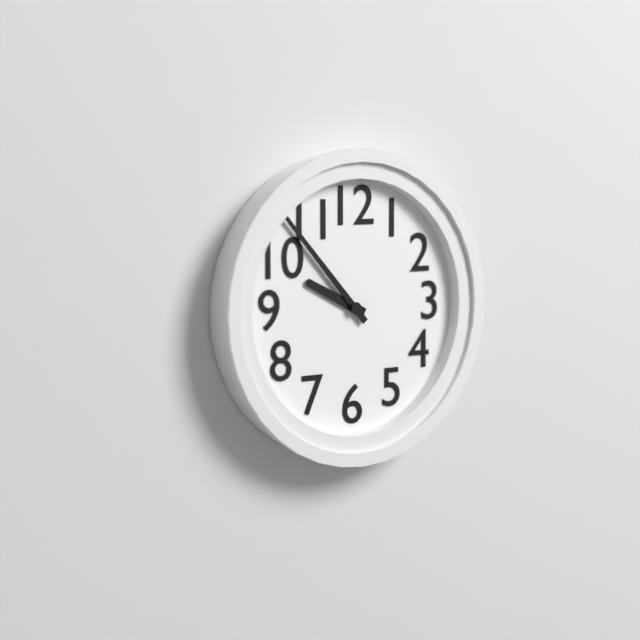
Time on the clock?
9:53
